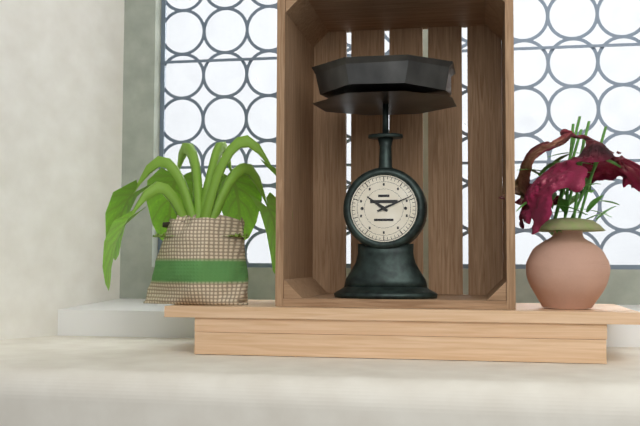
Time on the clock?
10:11
